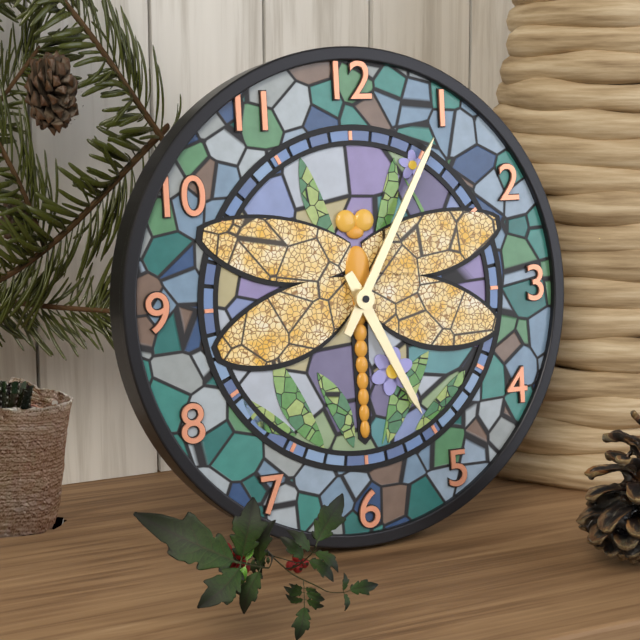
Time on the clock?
5:05
